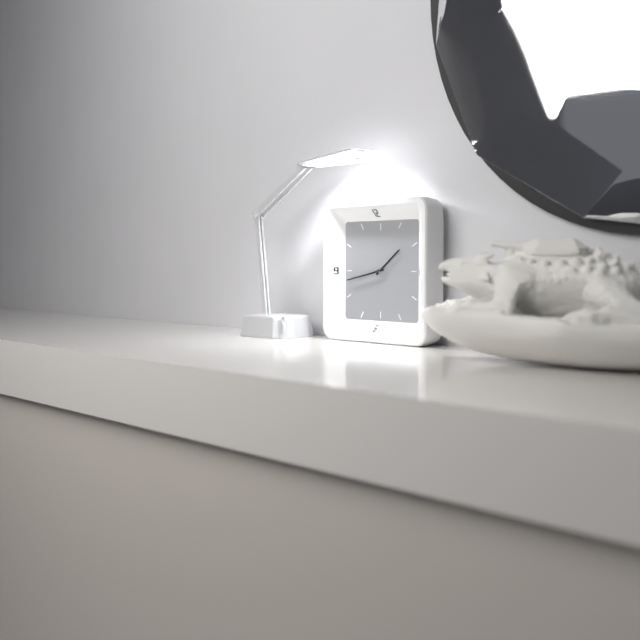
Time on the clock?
1:43
